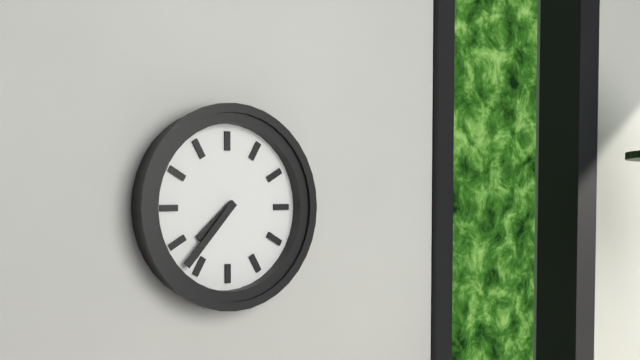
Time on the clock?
7:37
